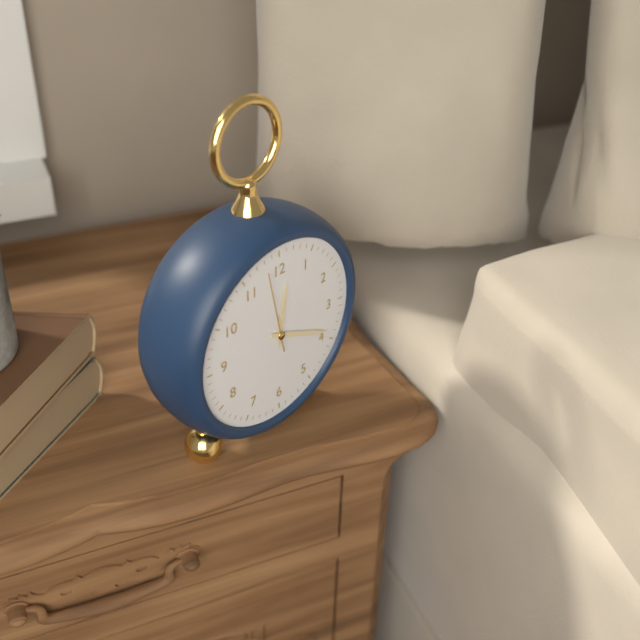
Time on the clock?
12:19:58
